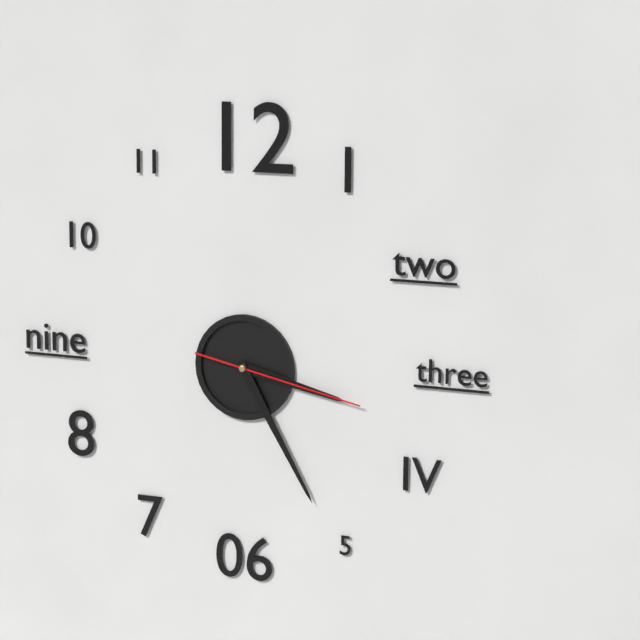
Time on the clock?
3:25:17
